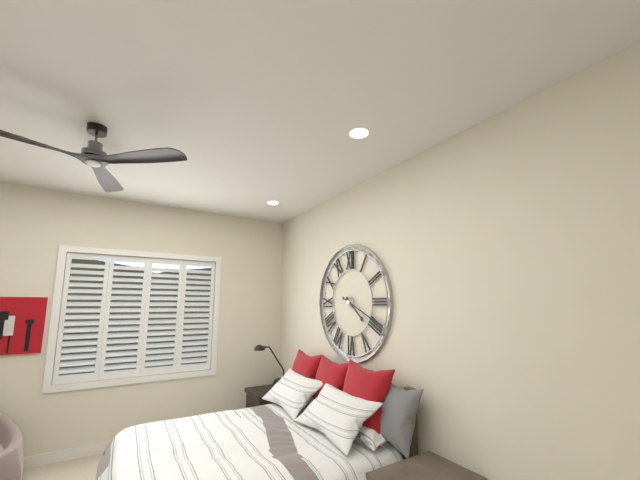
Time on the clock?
4:19
